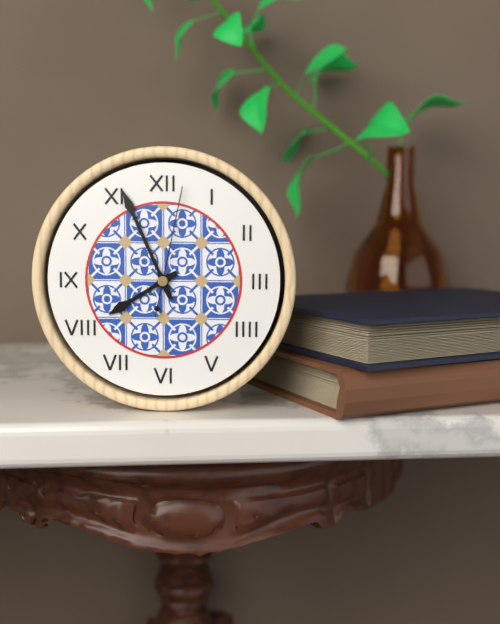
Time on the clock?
7:56:02
